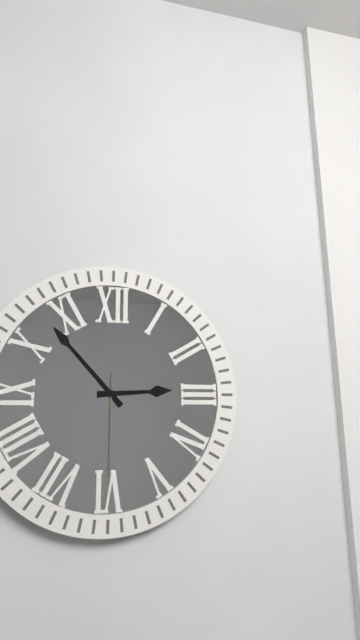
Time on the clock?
2:53:30
